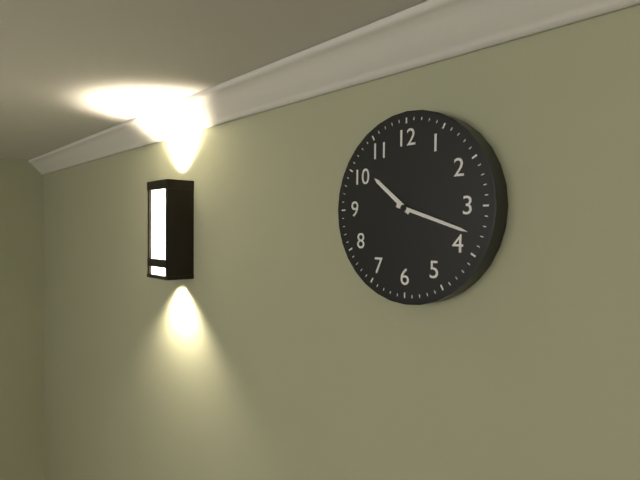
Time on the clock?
10:18
